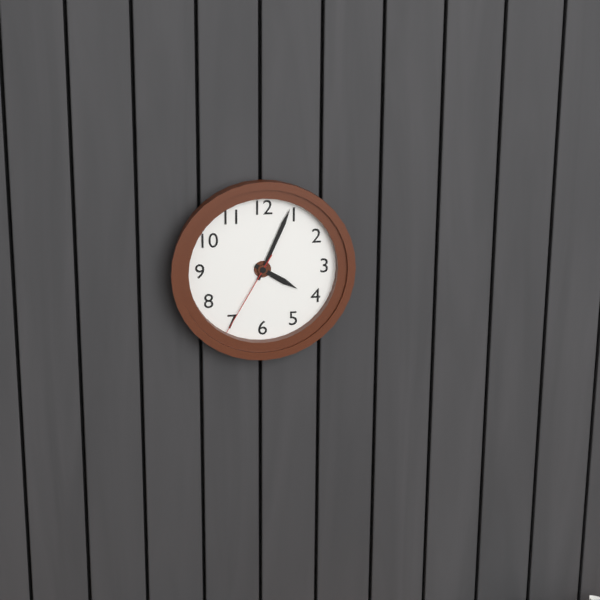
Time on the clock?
4:04:35
